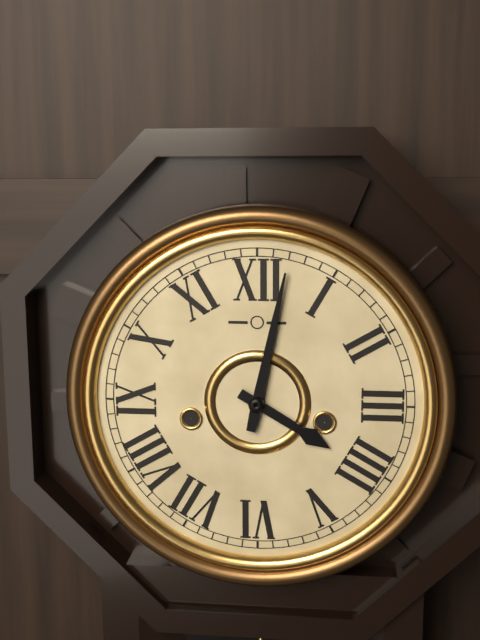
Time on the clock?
4:02
